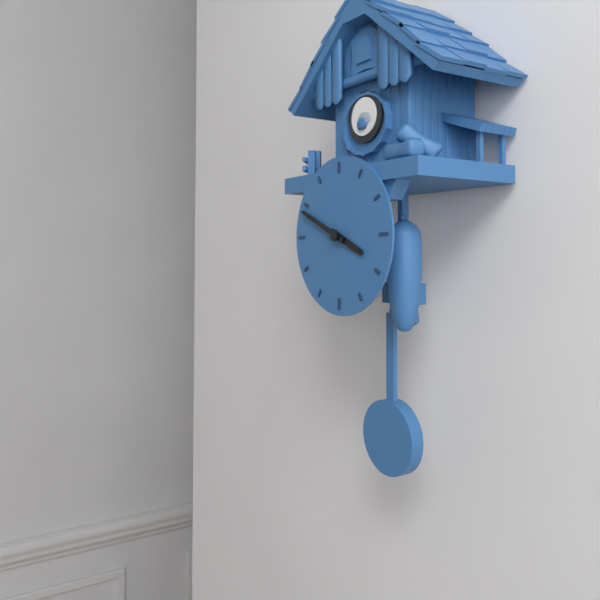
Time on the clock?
3:49
